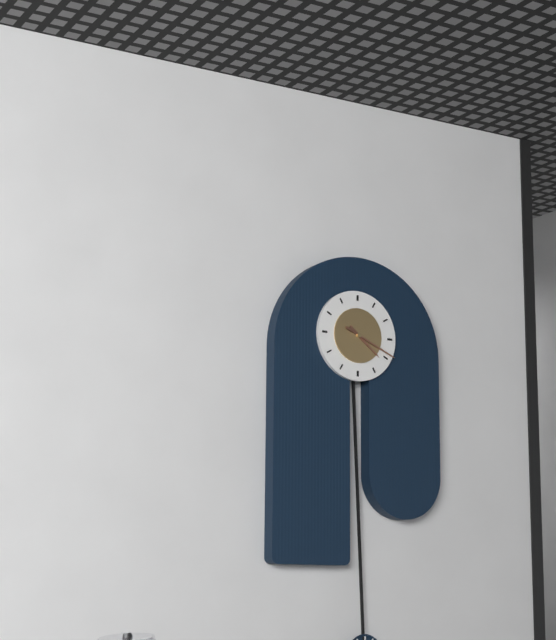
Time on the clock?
4:19
